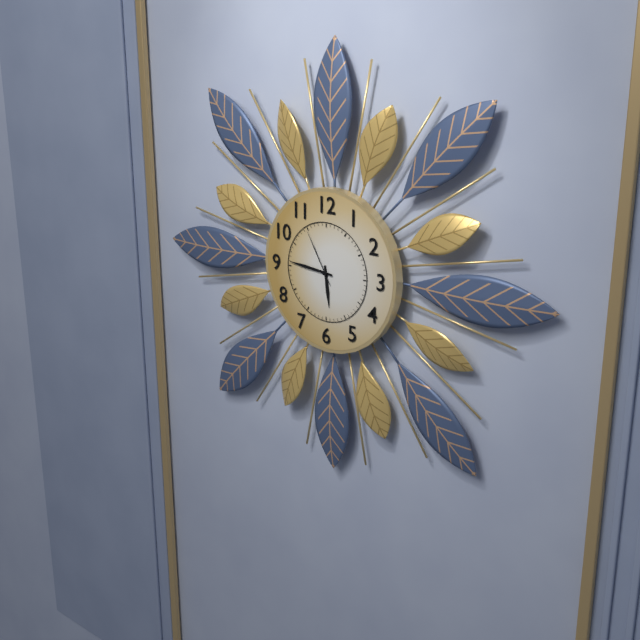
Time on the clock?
5:46:55
